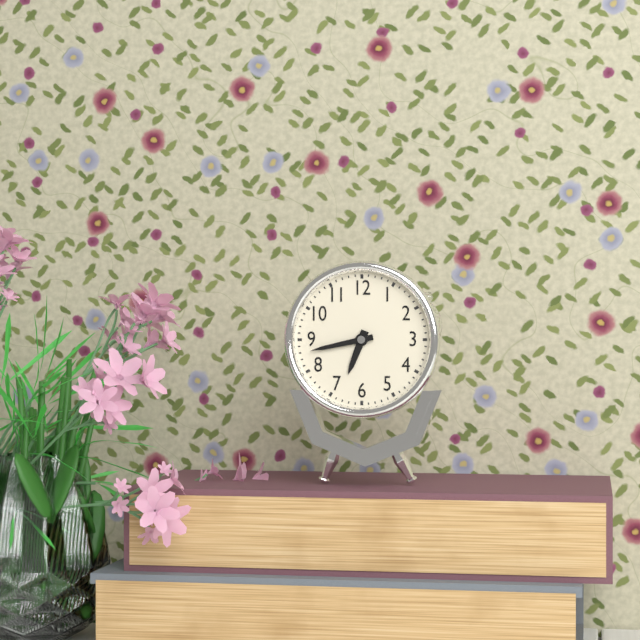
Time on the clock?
6:43
